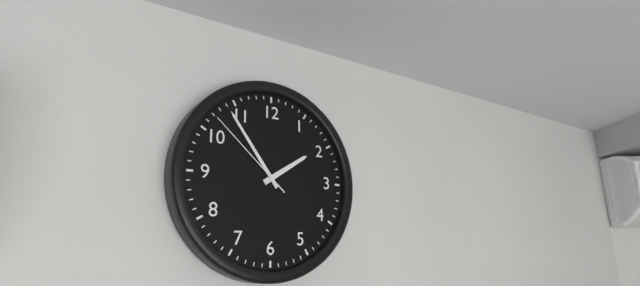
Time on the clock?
1:54:52
